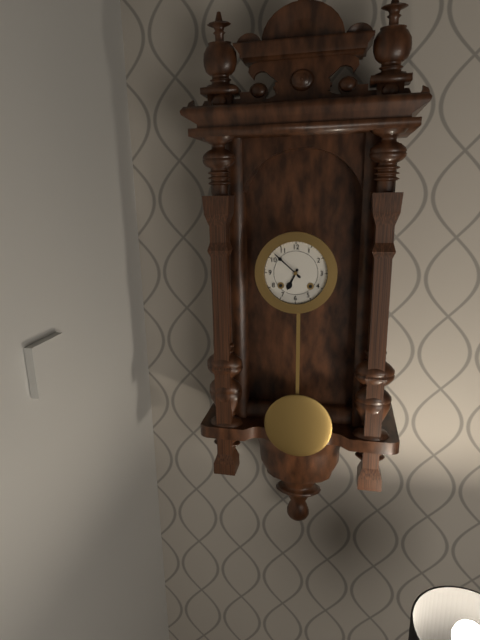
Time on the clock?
6:52
